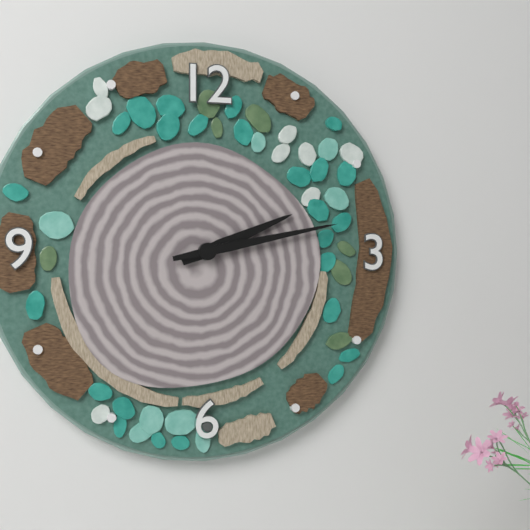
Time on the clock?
2:13
